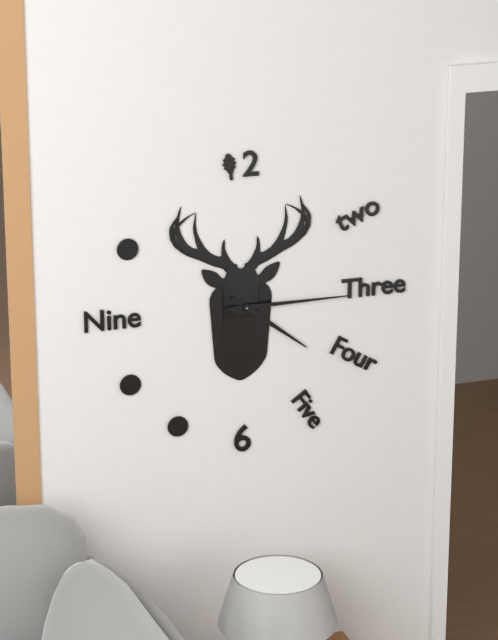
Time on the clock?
4:15
